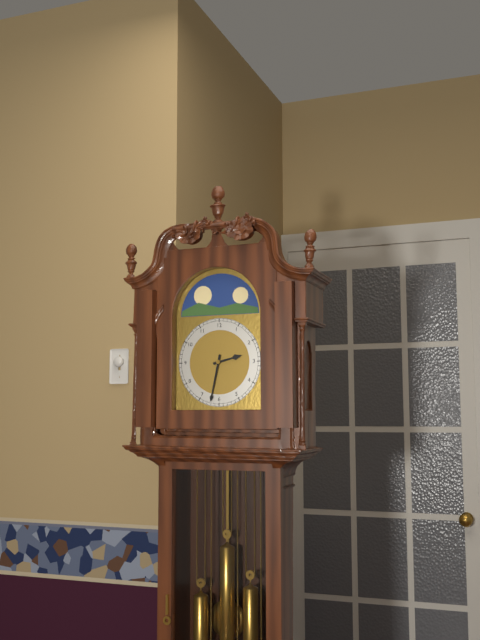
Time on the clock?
2:32
